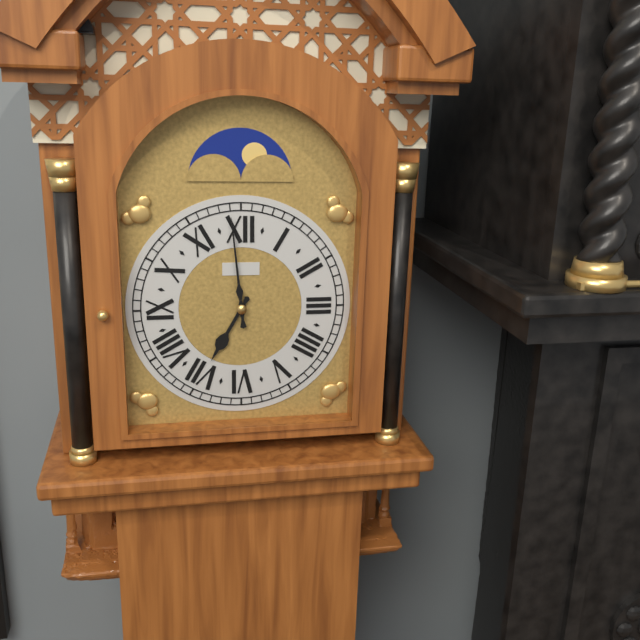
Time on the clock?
6:59
